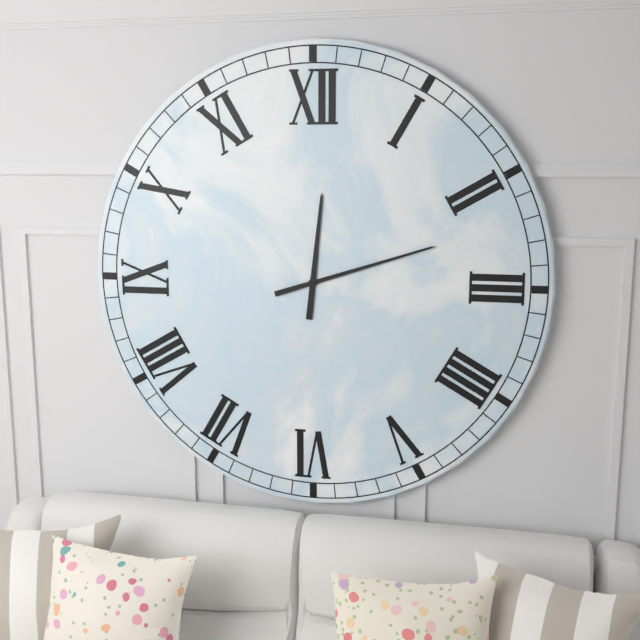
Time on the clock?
12:12
